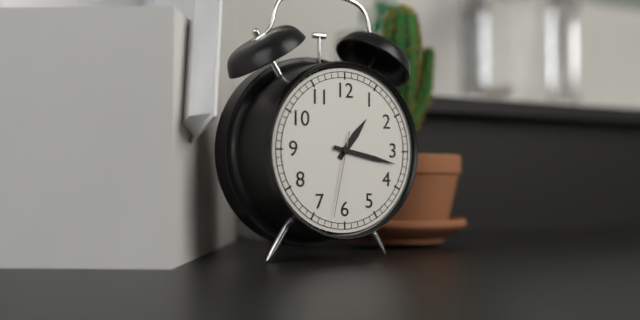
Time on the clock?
1:17:32
